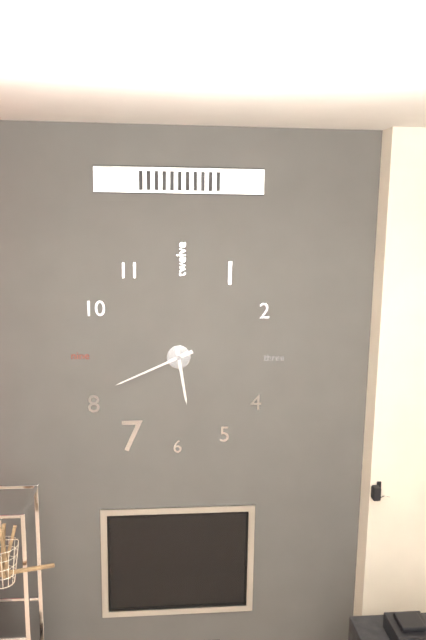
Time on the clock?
5:41
